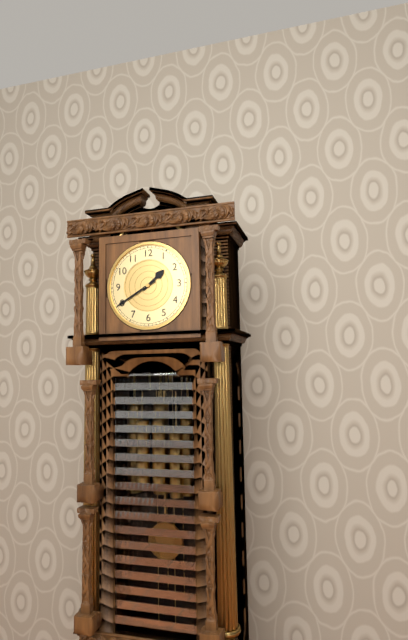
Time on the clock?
1:40
